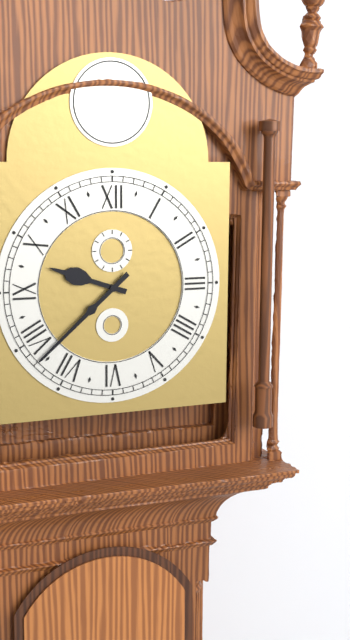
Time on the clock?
9:38
